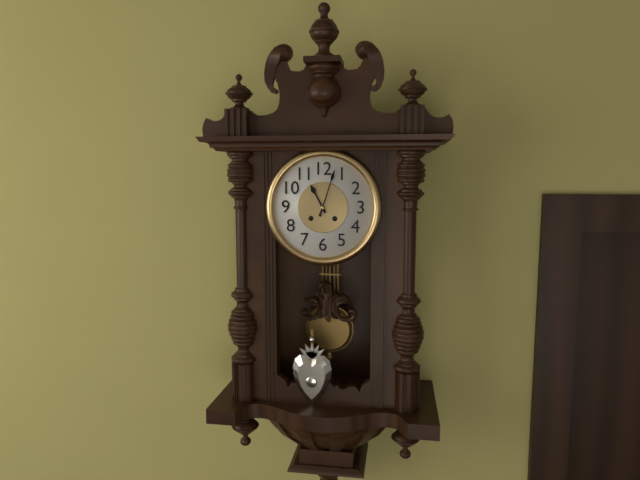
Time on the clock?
11:03
